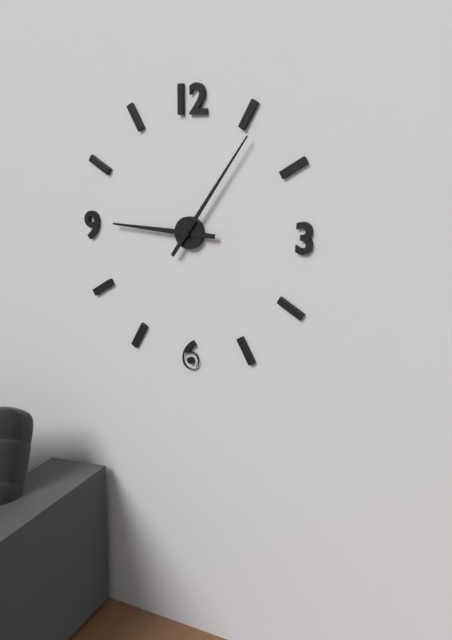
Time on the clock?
9:06
